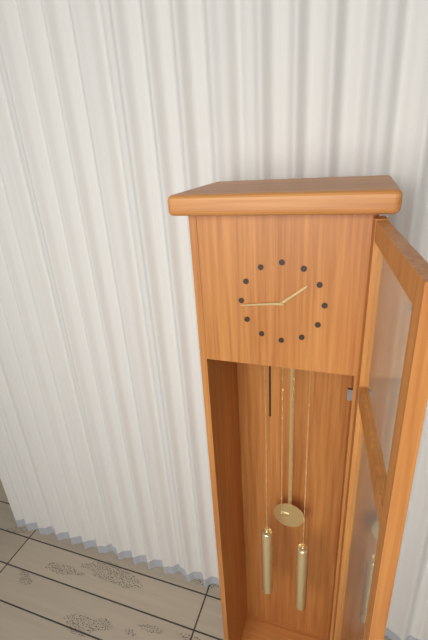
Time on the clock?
1:44
